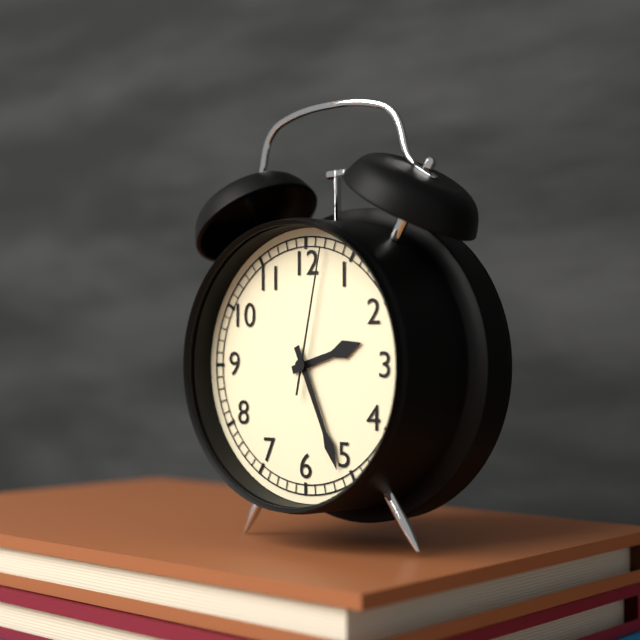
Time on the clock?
2:26:02
